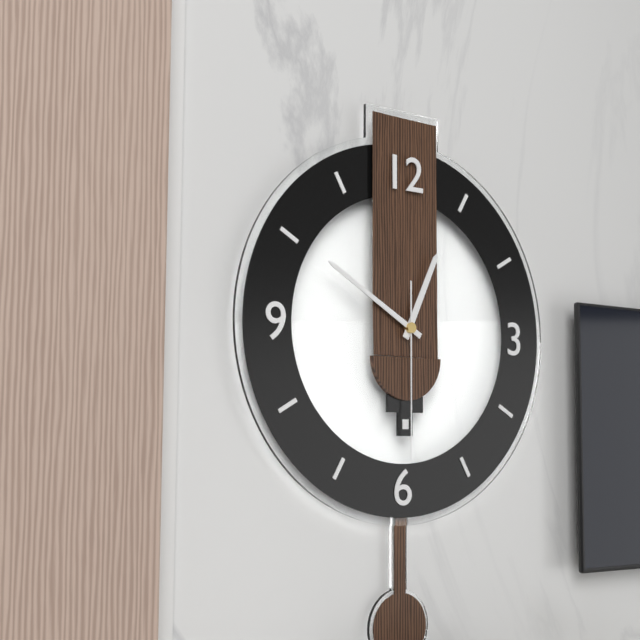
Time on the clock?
12:50:30
